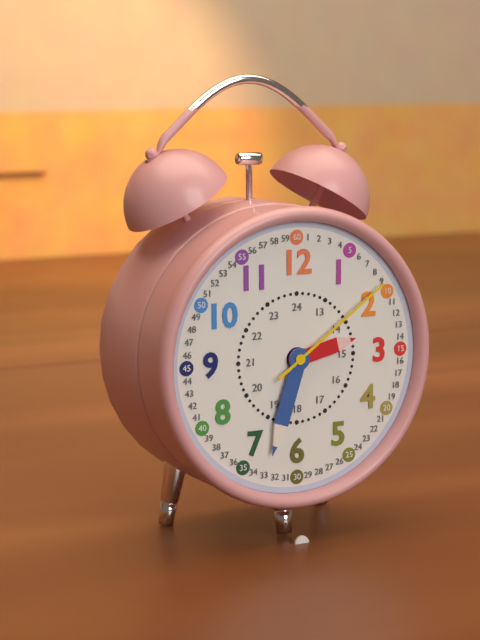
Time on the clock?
2:33:09
